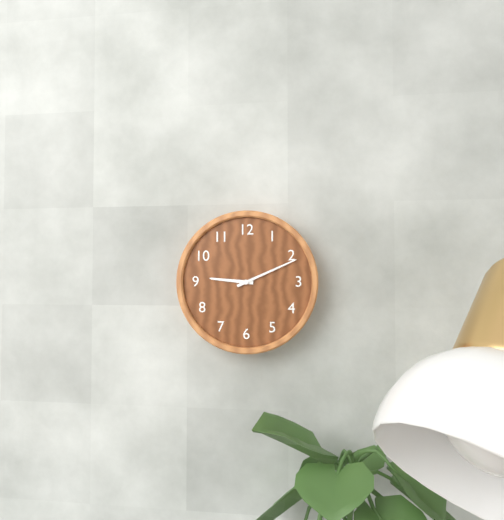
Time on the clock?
9:11
